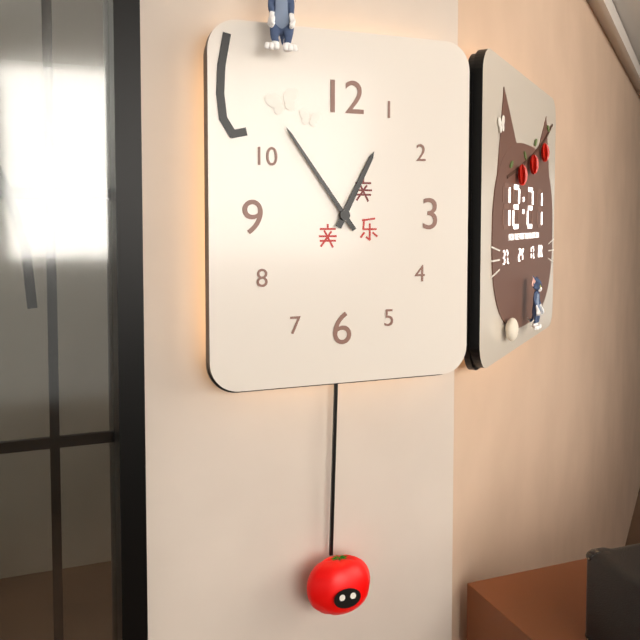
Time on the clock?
12:54
